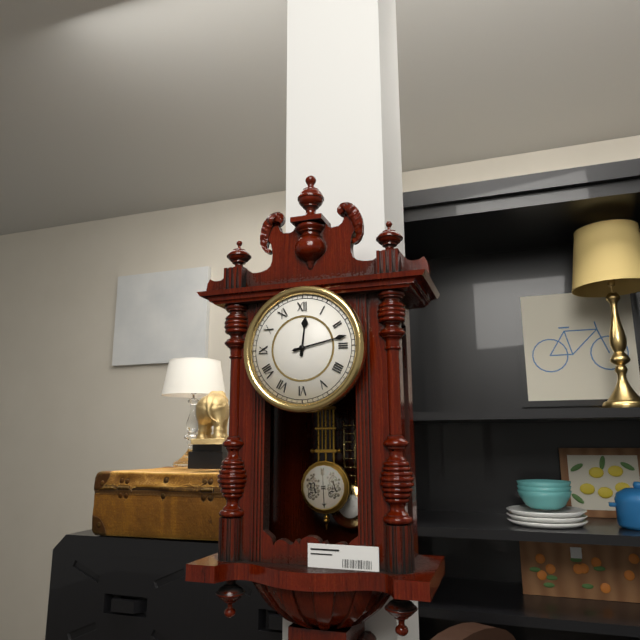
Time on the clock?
12:13
